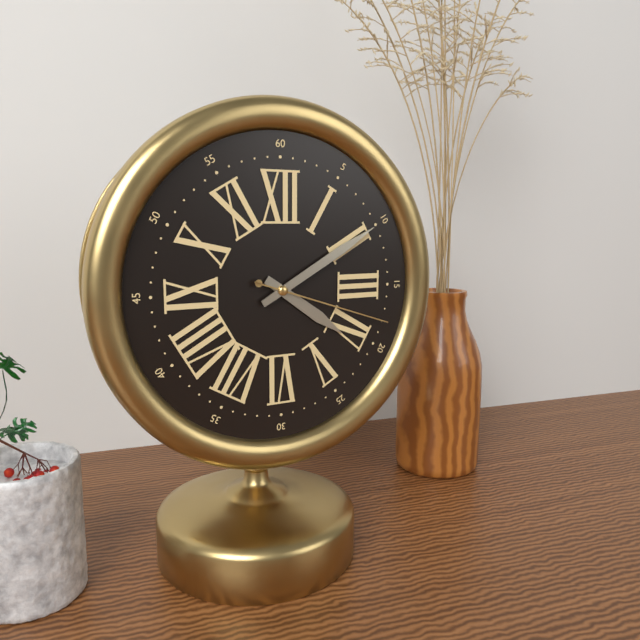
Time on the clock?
4:10:18
